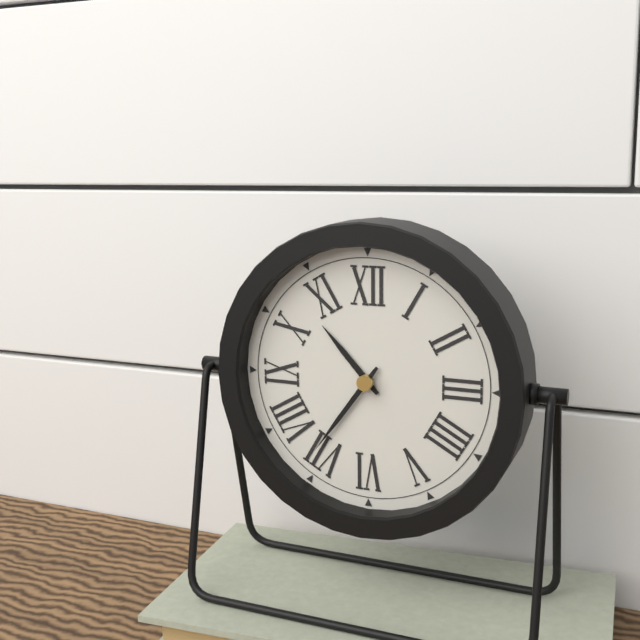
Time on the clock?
10:36
